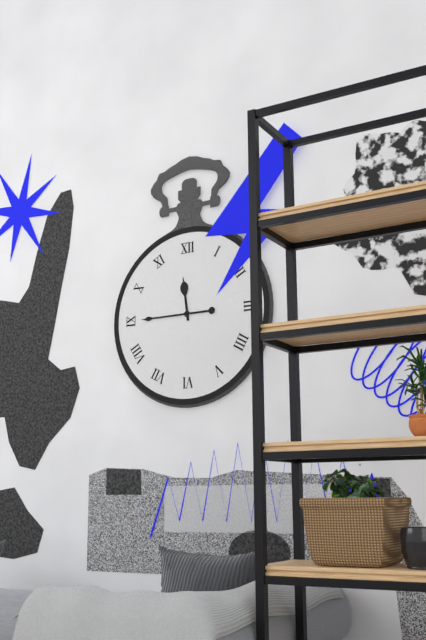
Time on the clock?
11:45
